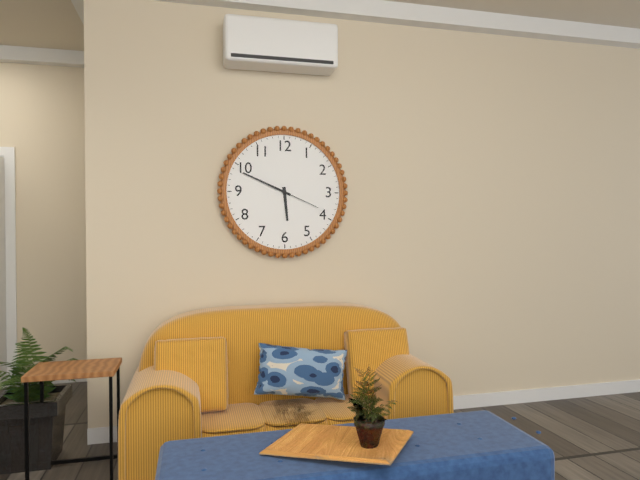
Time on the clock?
5:49
